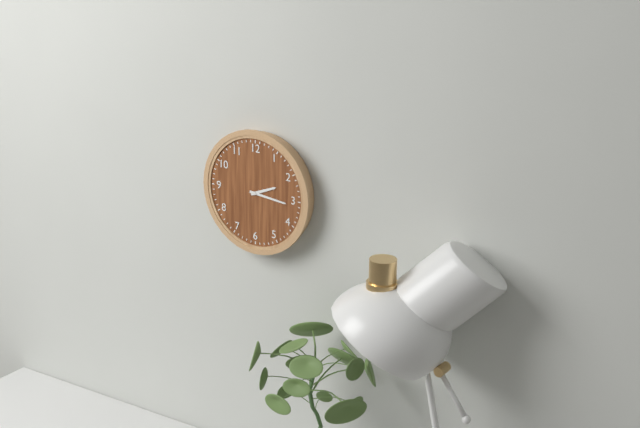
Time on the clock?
2:16
